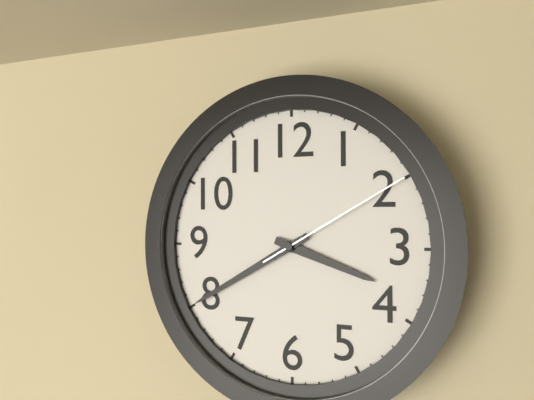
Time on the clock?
3:40:10
